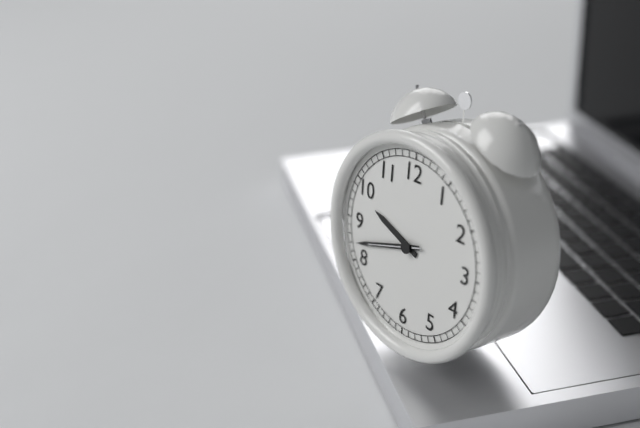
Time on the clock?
9:42
